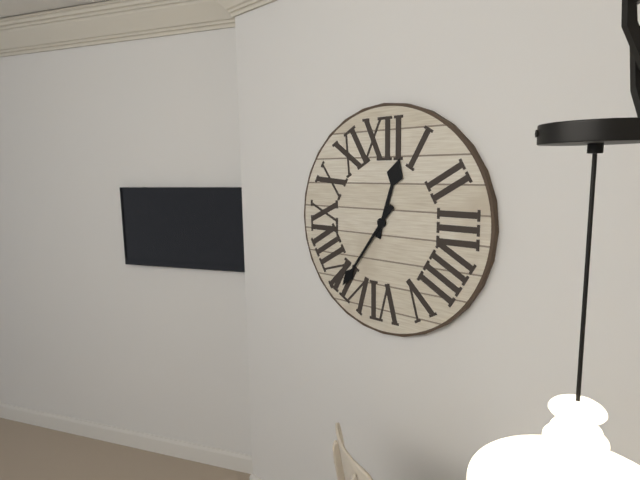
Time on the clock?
12:36
